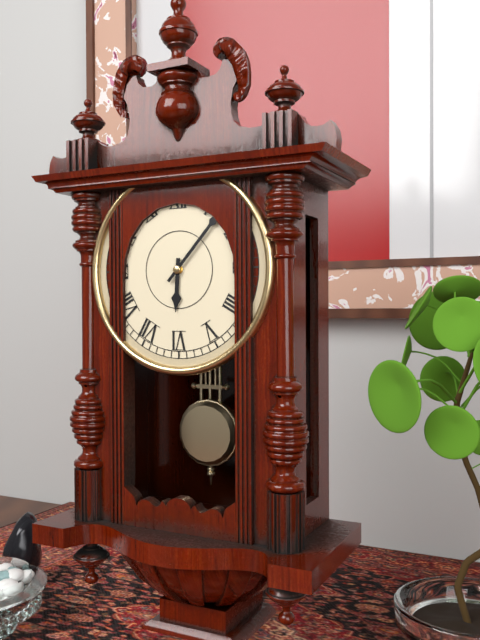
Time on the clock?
6:07
